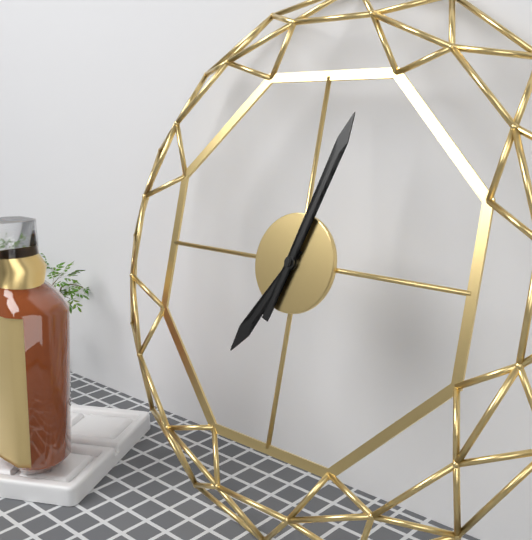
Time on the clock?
7:03
